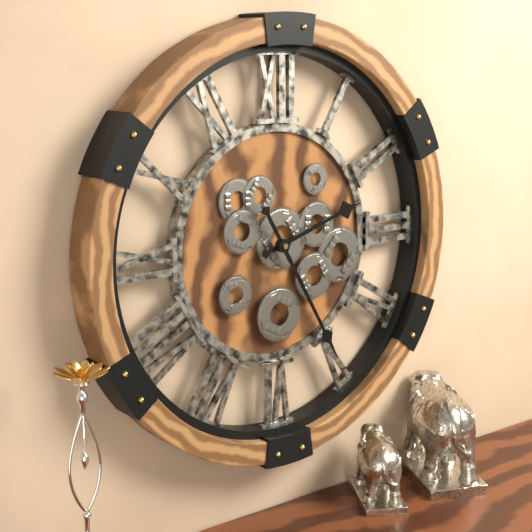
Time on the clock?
2:25
